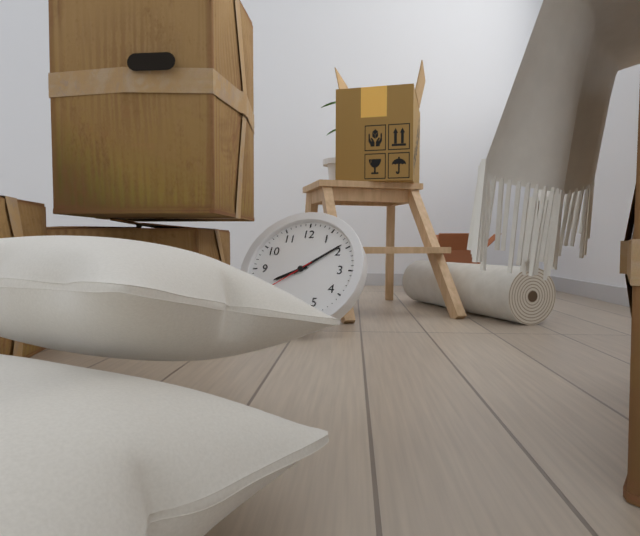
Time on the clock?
8:09
